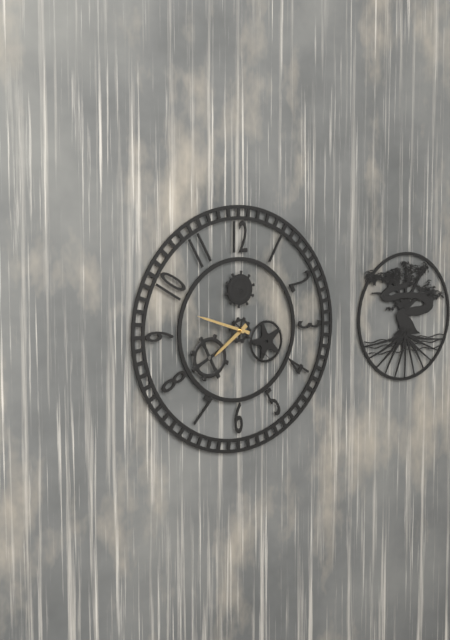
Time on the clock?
7:48:22
